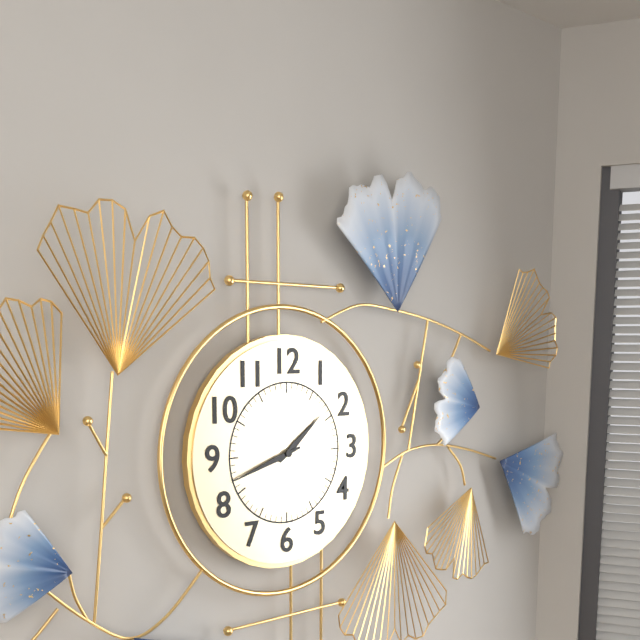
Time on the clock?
1:42
